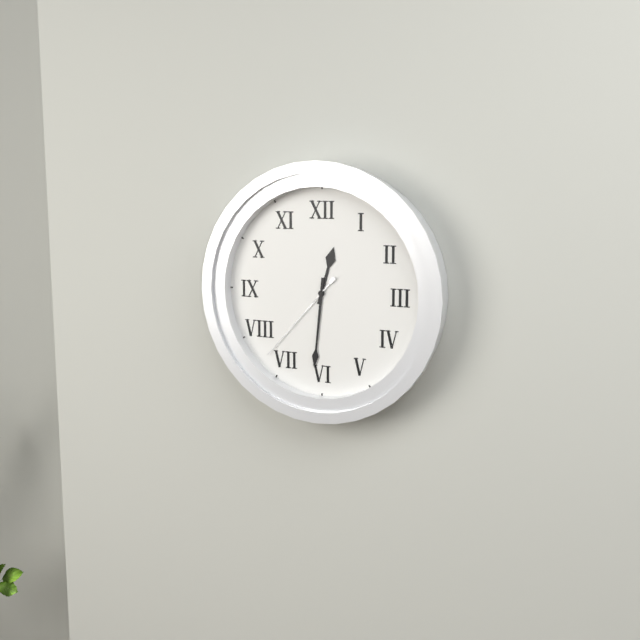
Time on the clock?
12:31:37
